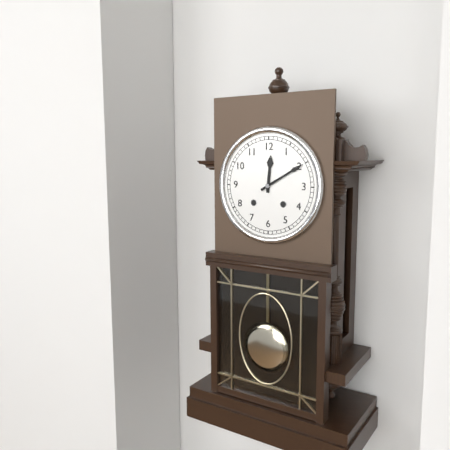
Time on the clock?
12:10
